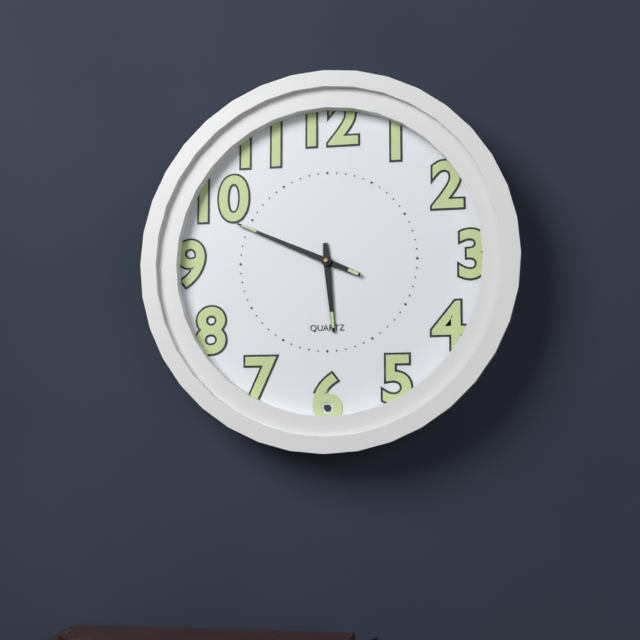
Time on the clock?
5:49
